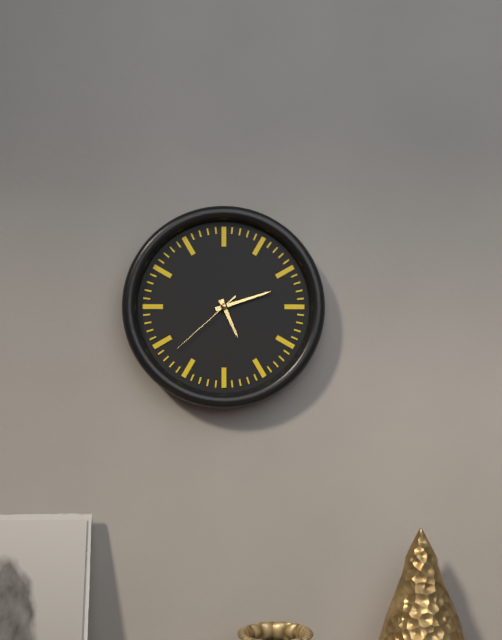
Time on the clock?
5:12:38
